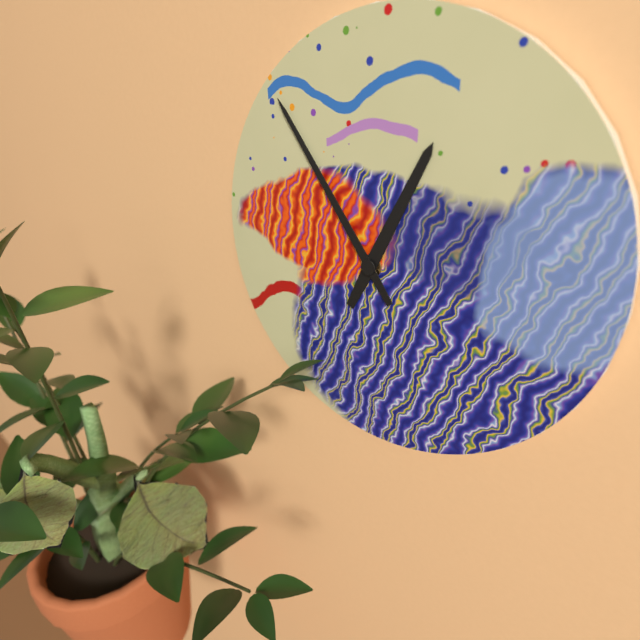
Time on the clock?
12:54
